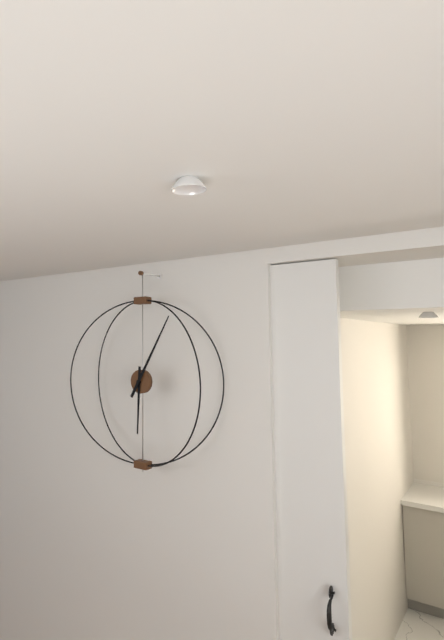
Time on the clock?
6:05
